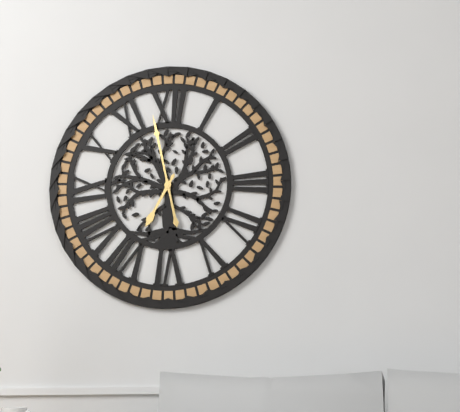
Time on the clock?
6:58
